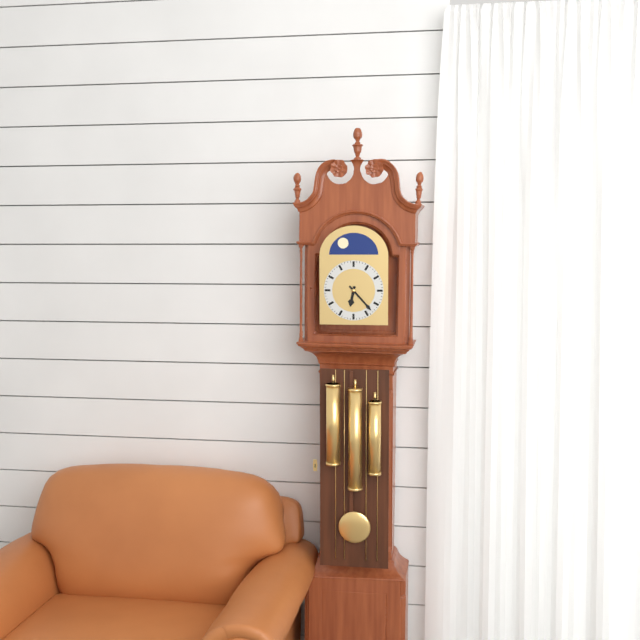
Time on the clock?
6:23
